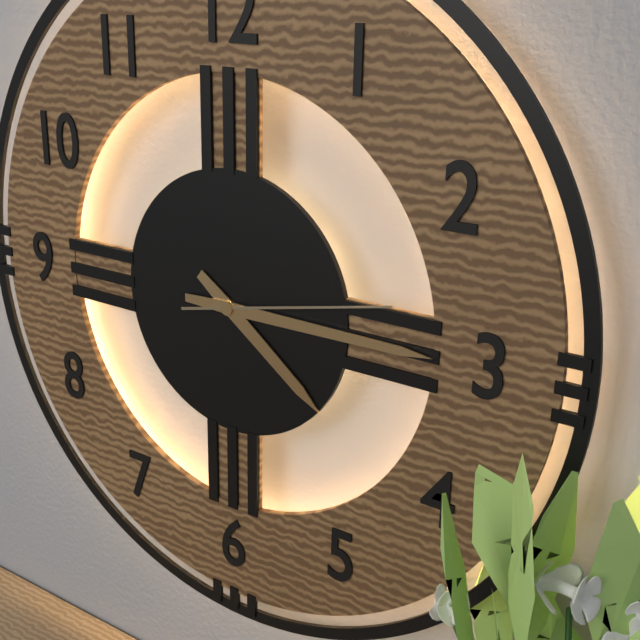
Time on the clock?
4:15:13
